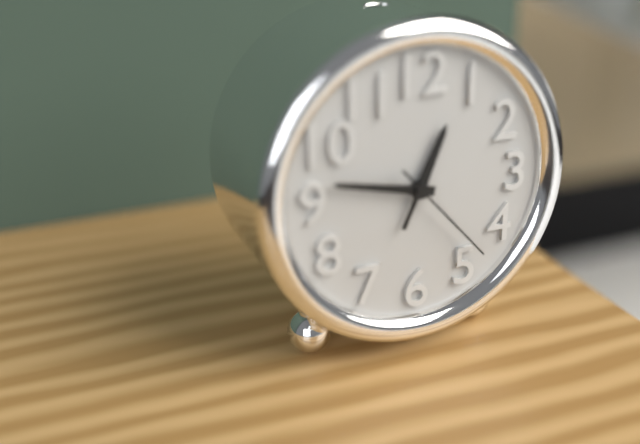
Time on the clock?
12:47:23
